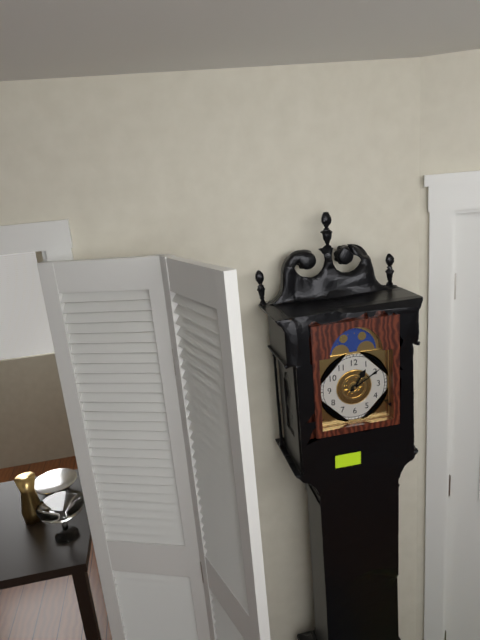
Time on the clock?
1:10
